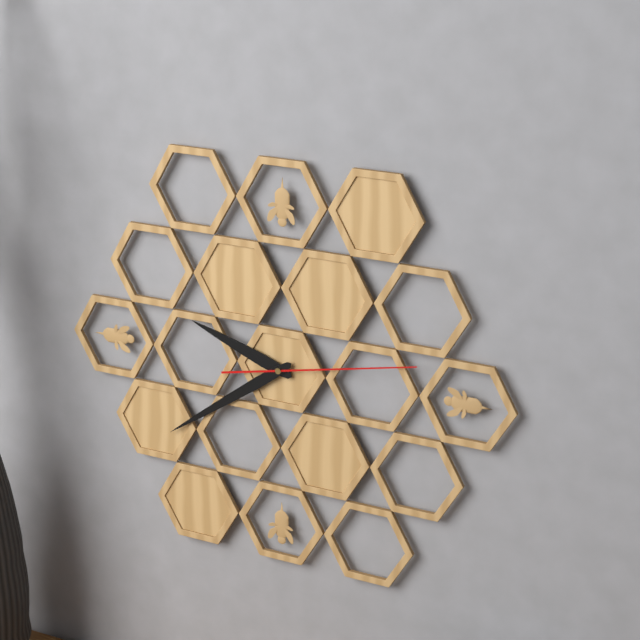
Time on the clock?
9:39:13
